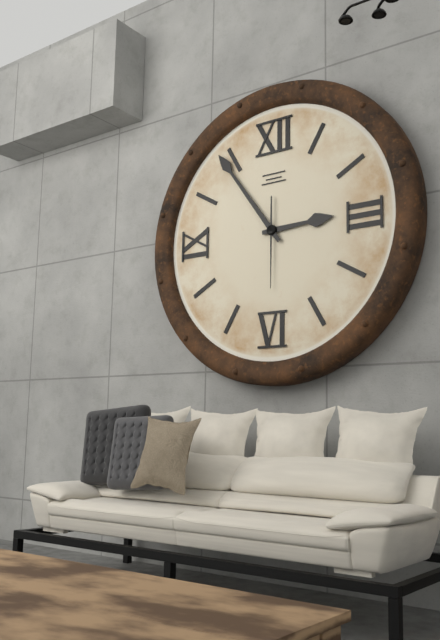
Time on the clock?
2:54:30
